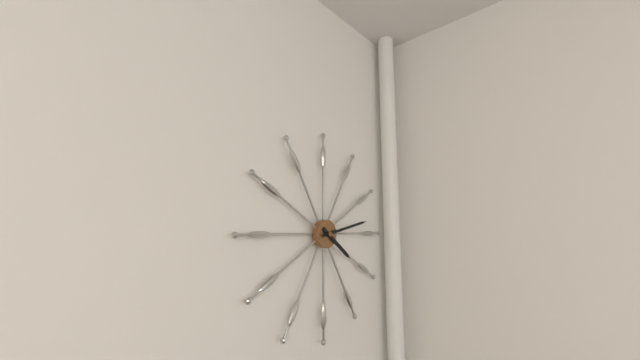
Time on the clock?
4:13
